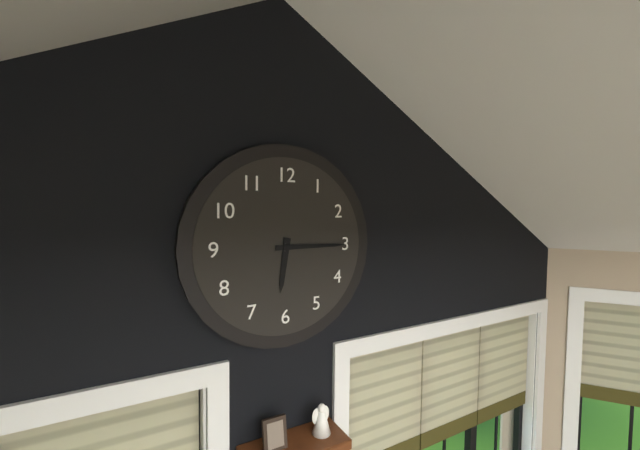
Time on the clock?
6:15
